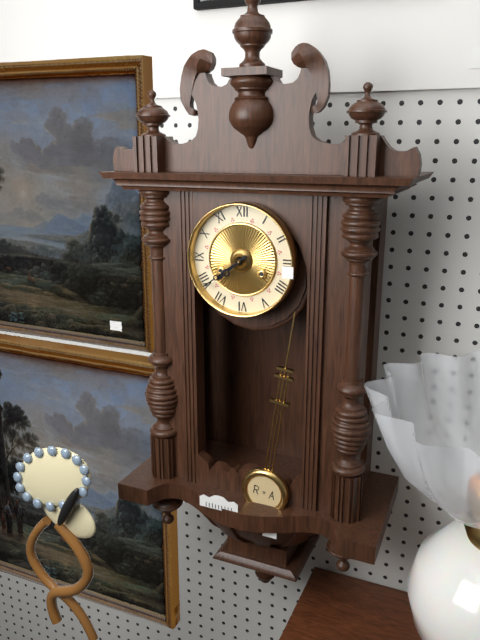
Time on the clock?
7:39
